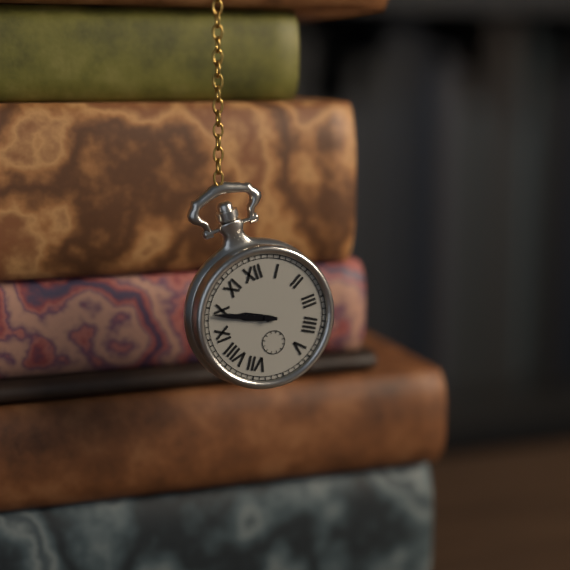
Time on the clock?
9:49
